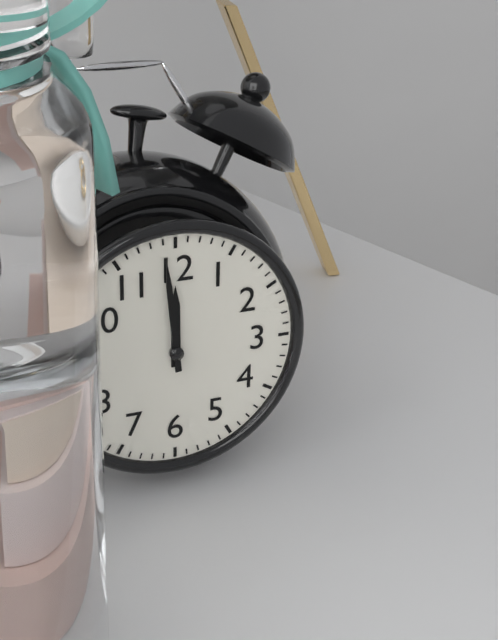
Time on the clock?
11:59
